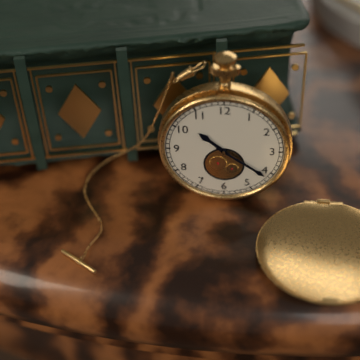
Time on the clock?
10:21
